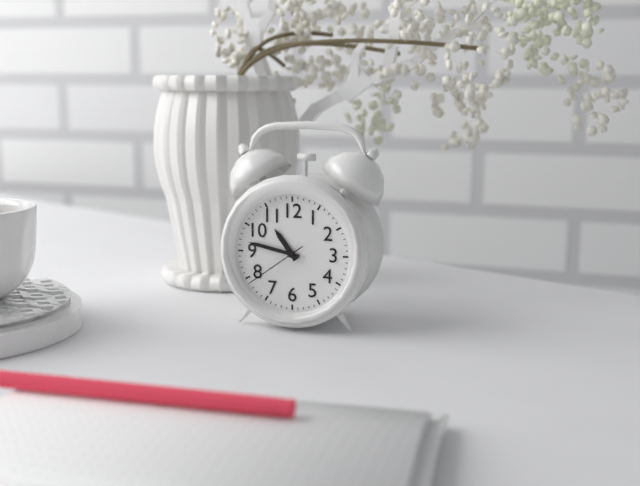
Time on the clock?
10:47:39
